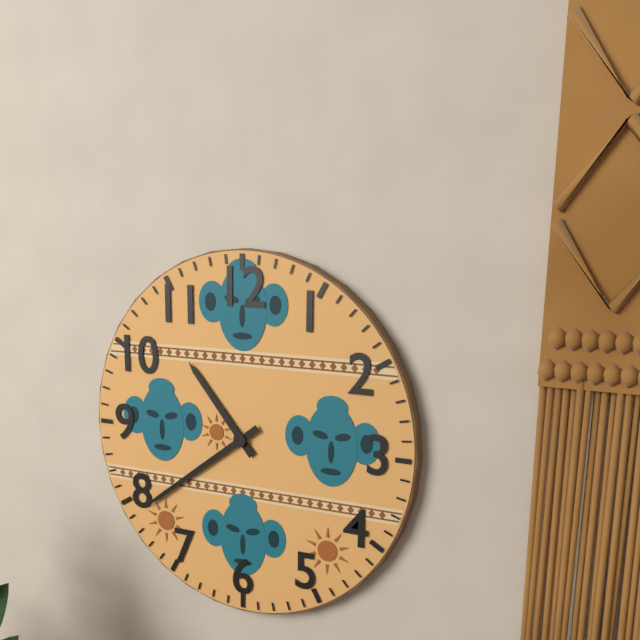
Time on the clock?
10:39
